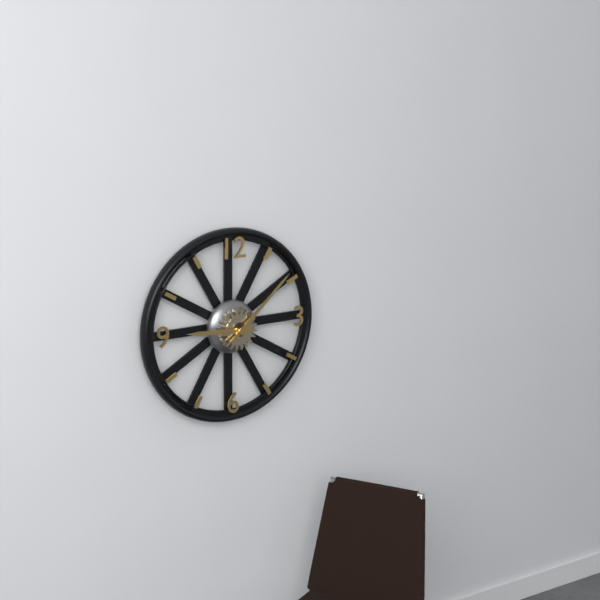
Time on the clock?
9:08
